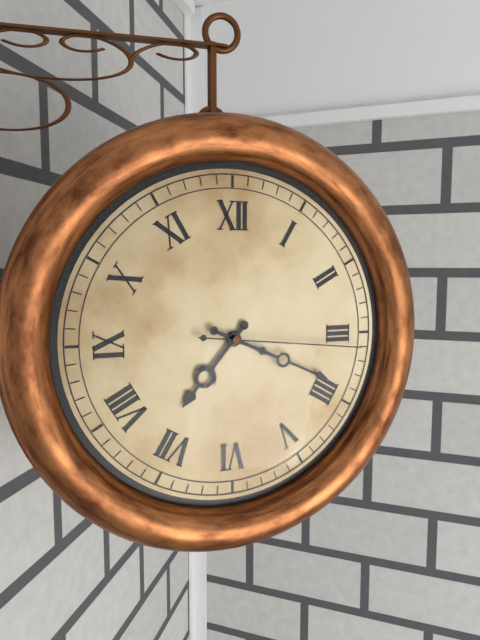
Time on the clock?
7:19:16
